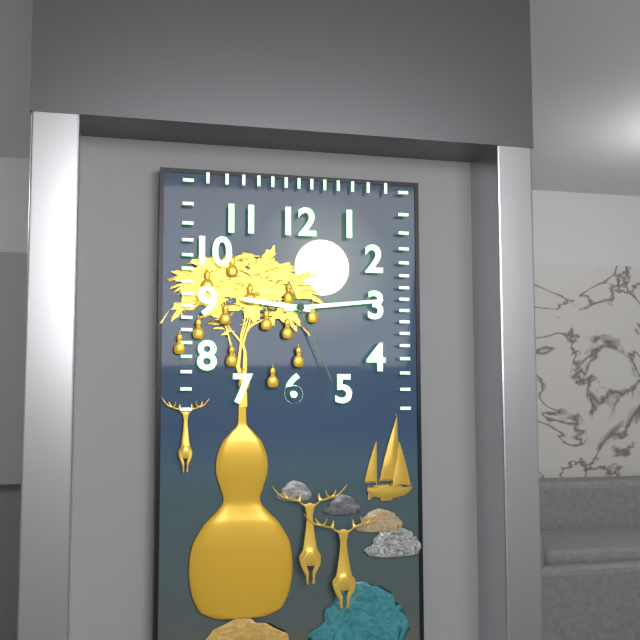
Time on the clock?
9:14:26
